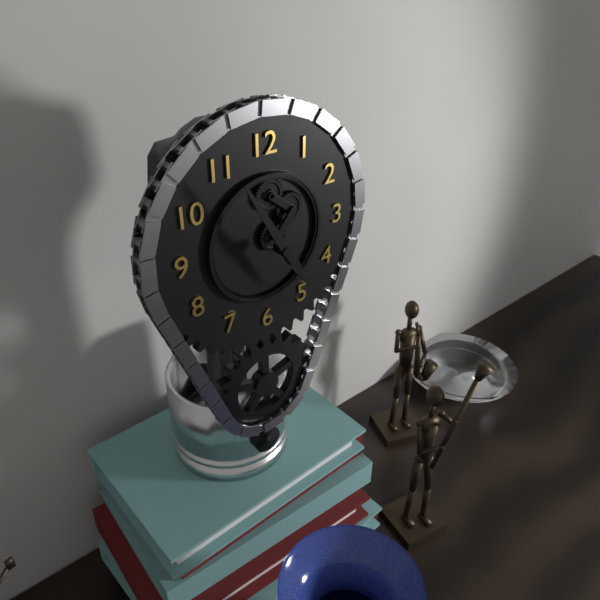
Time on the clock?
4:55
